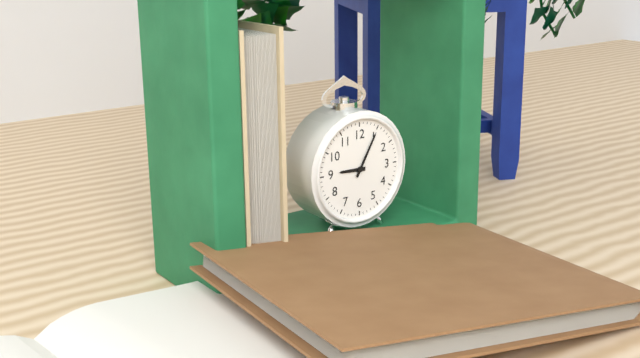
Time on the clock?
9:05
